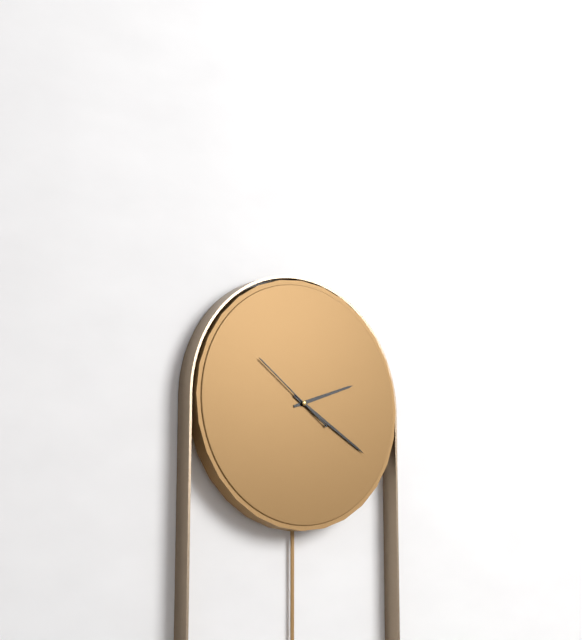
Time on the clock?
2:20:51
